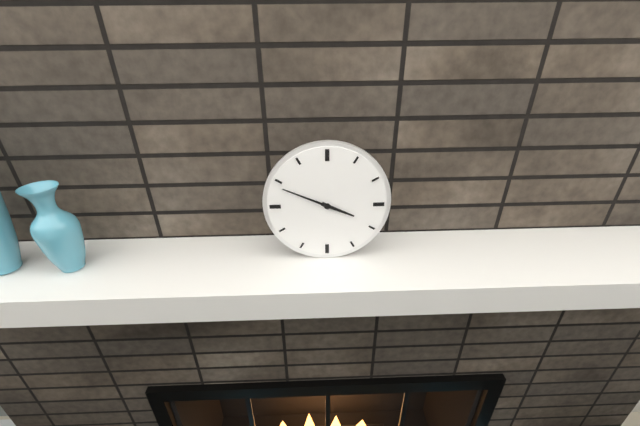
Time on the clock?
3:49
